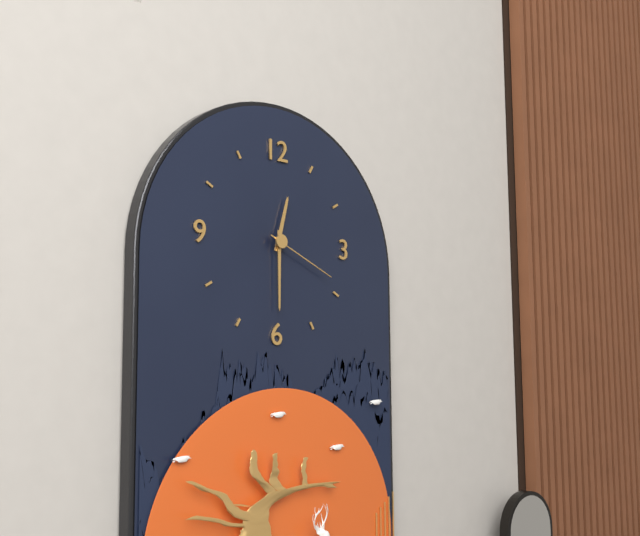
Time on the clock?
12:30:19
